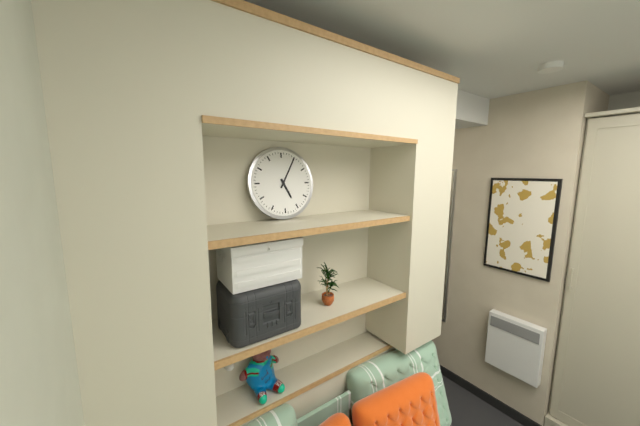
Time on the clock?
5:05
